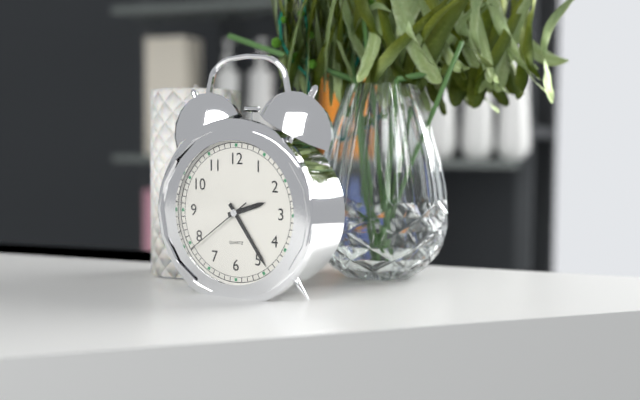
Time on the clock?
2:24:39
